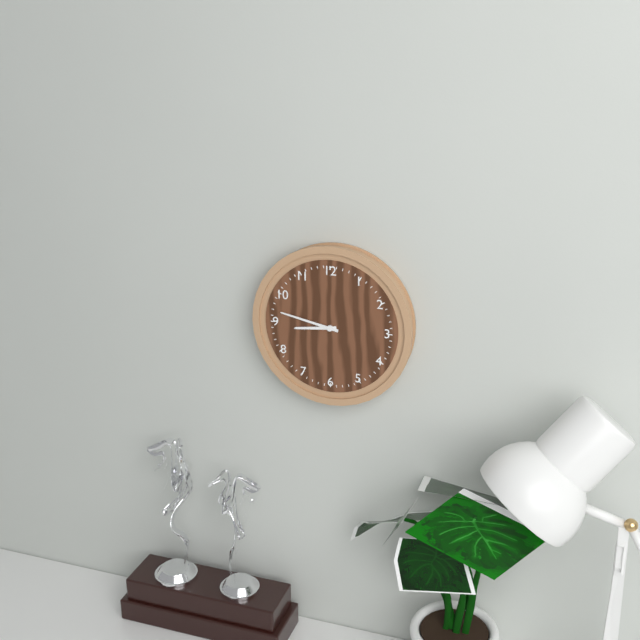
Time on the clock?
8:47
